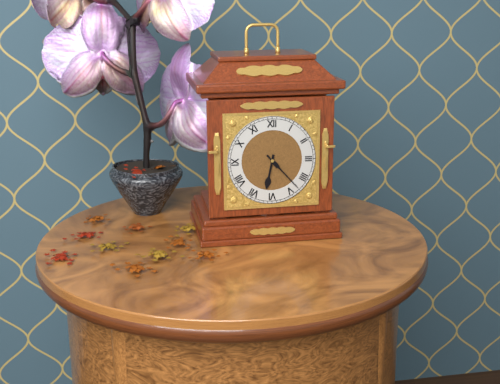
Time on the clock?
6:23
